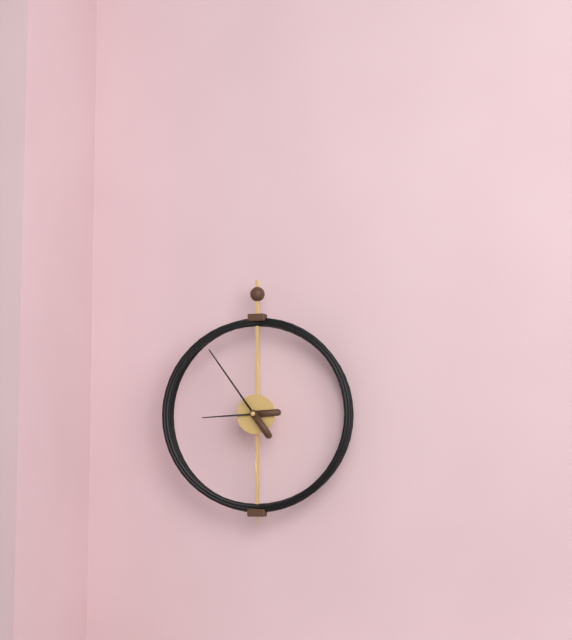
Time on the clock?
8:54
